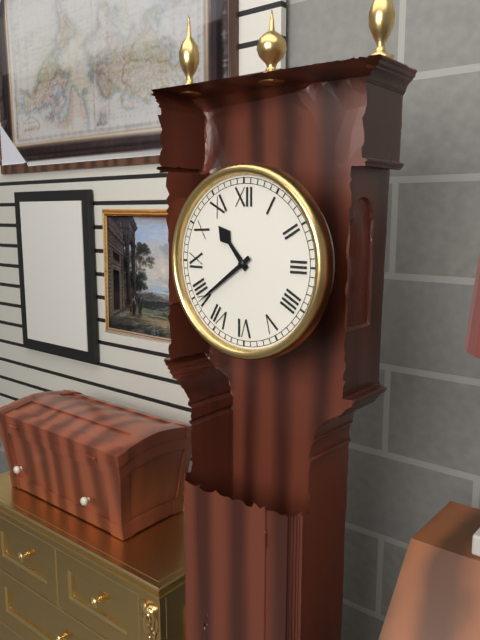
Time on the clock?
10:39
